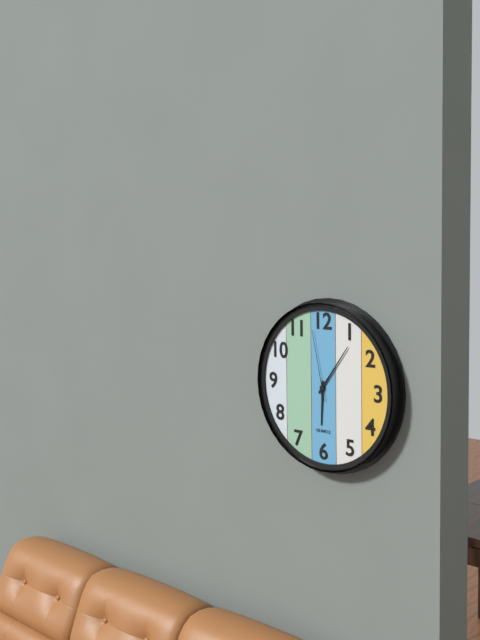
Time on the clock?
6:06:58
